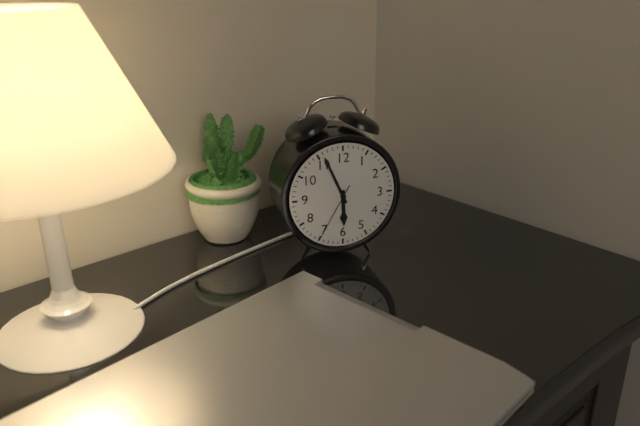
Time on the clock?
5:56:35
